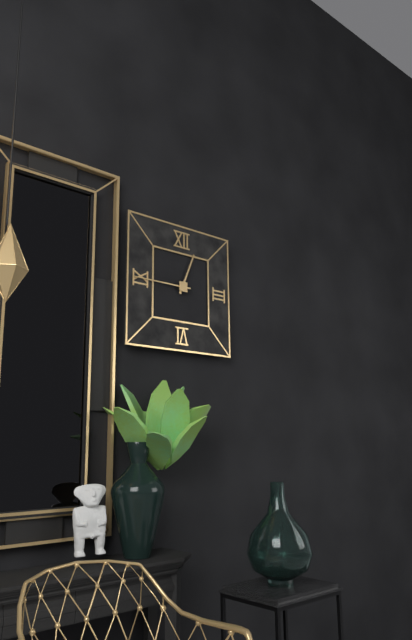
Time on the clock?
12:45
